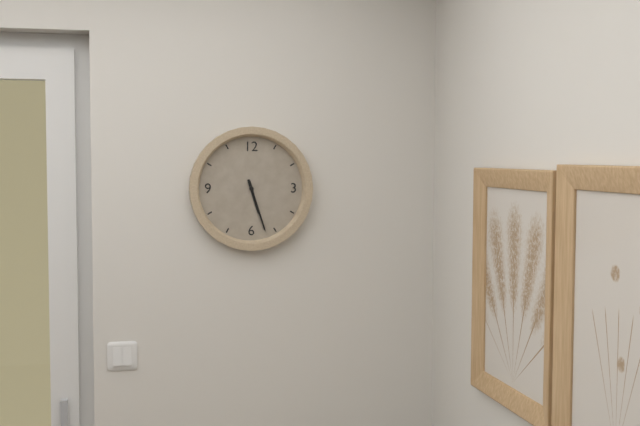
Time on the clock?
5:27
